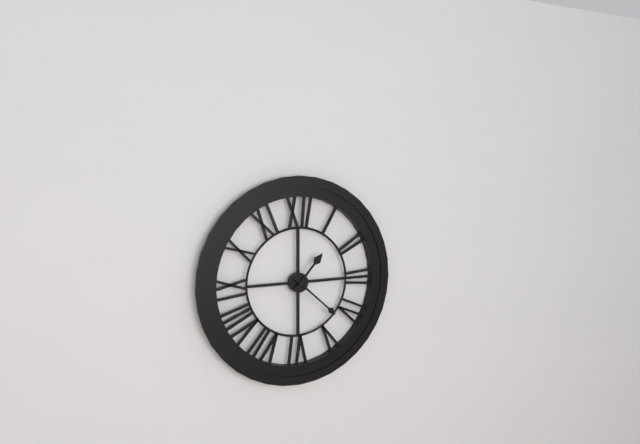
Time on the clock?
1:22
